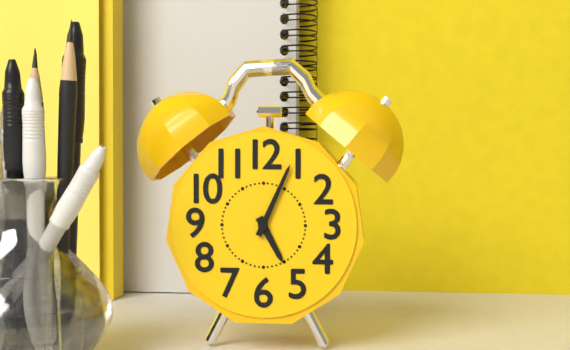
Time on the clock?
5:04
